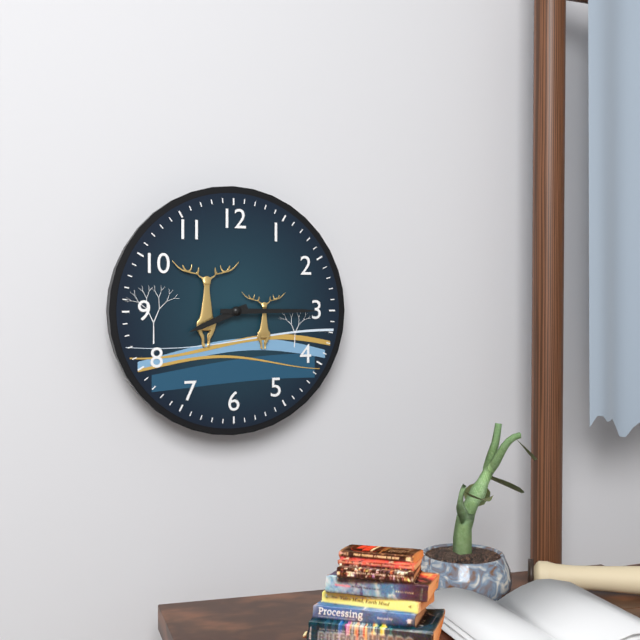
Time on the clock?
8:15
